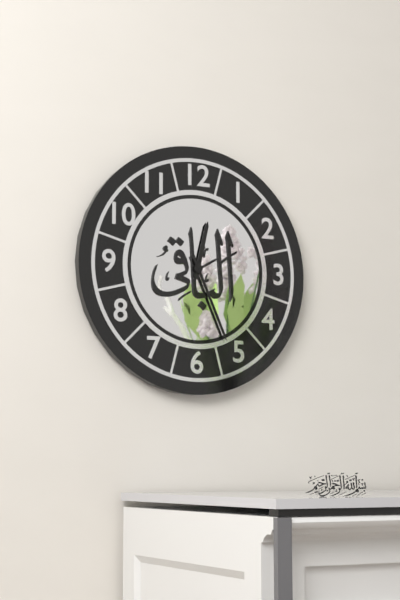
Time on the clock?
12:26
